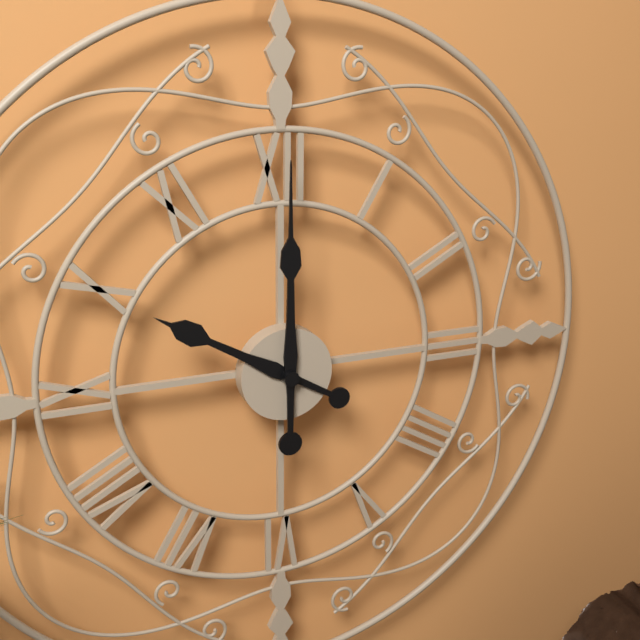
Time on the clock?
10:00
